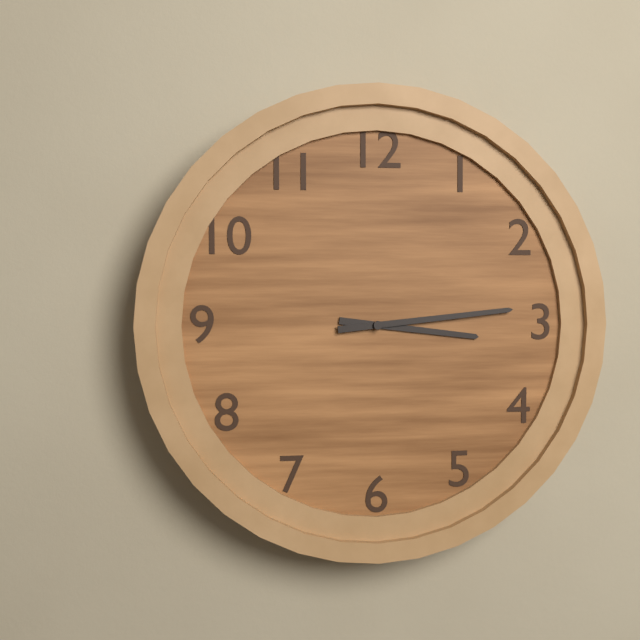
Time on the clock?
3:14
